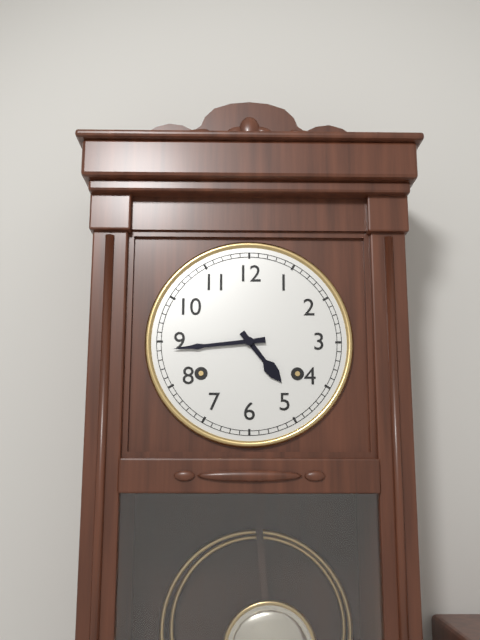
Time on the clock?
4:44
